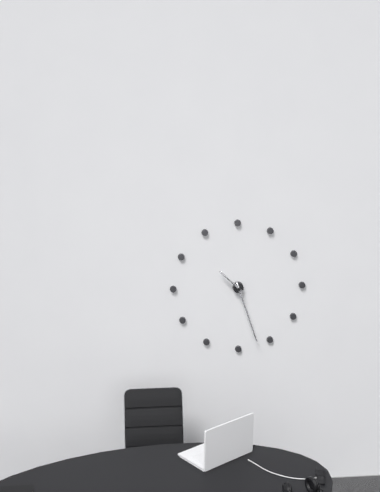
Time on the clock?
10:27
